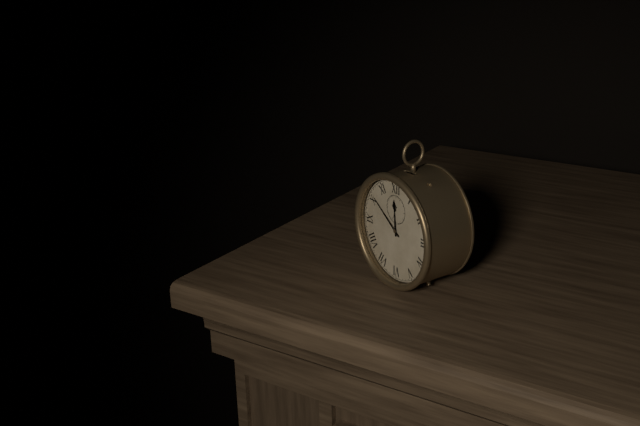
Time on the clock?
11:51
